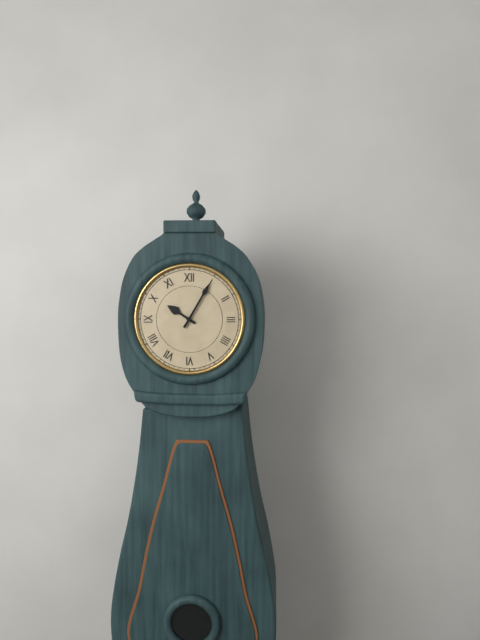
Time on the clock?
10:05
